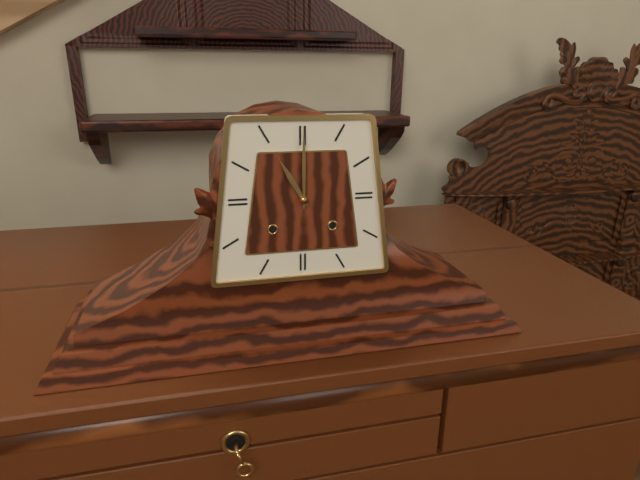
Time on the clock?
11:00
